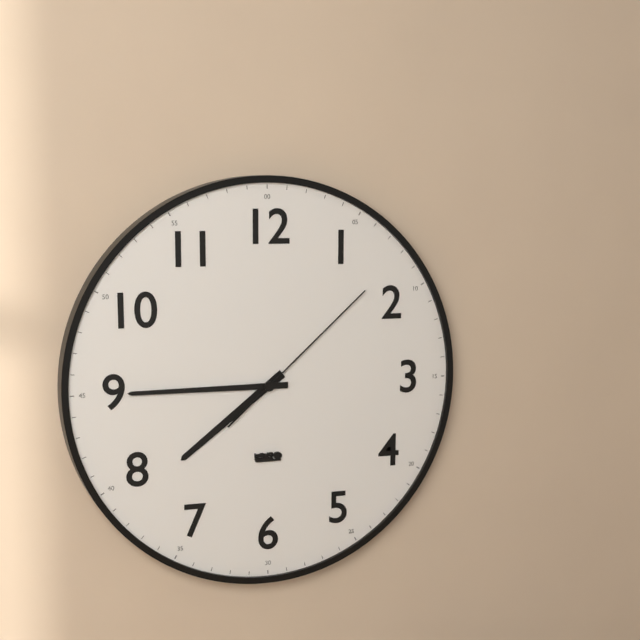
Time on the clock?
7:45:08
